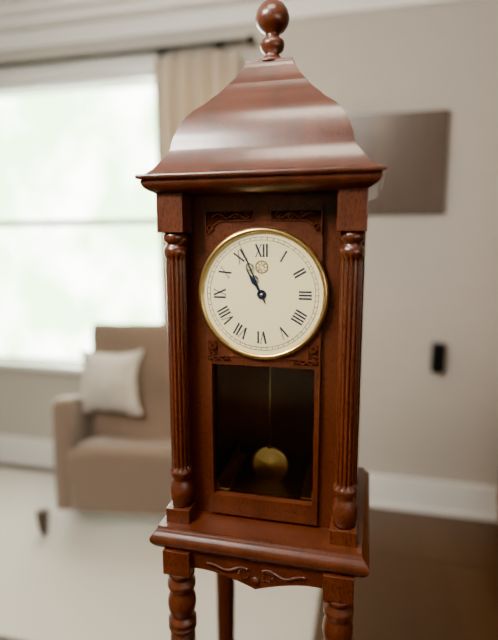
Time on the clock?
10:56
